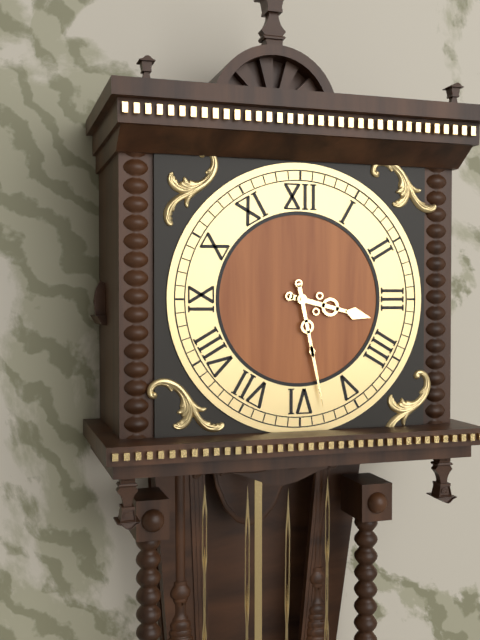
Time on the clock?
3:28
